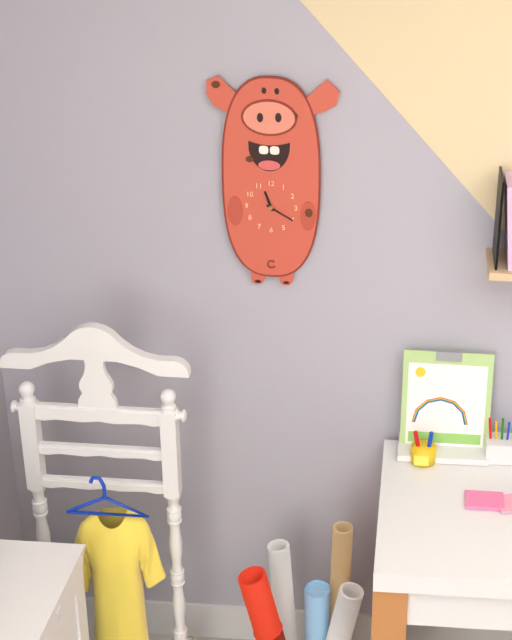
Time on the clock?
11:20
